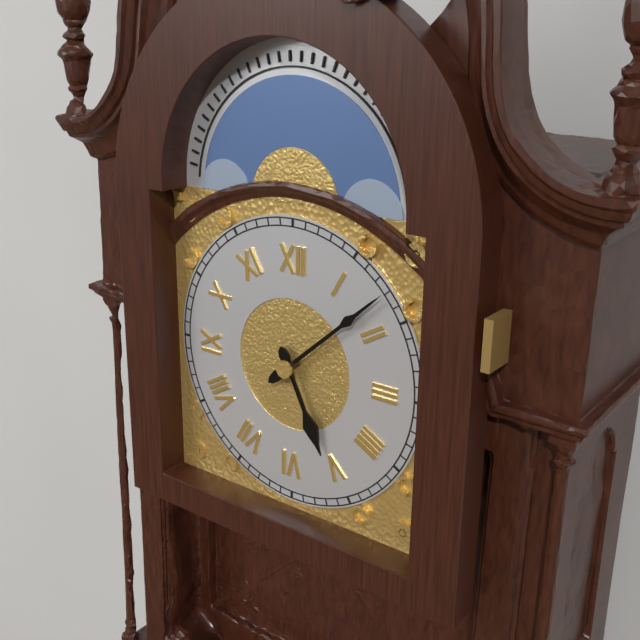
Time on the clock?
5:08
